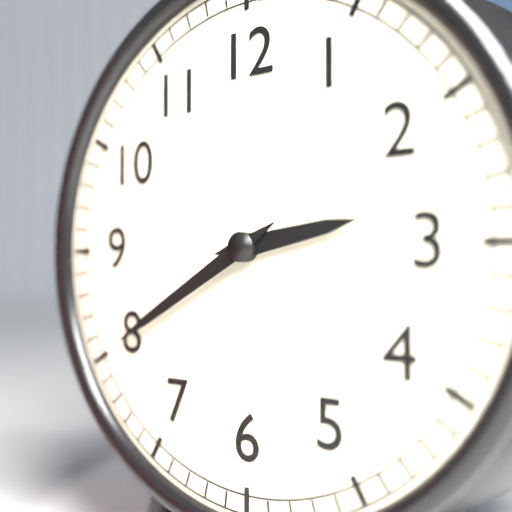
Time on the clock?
2:40
